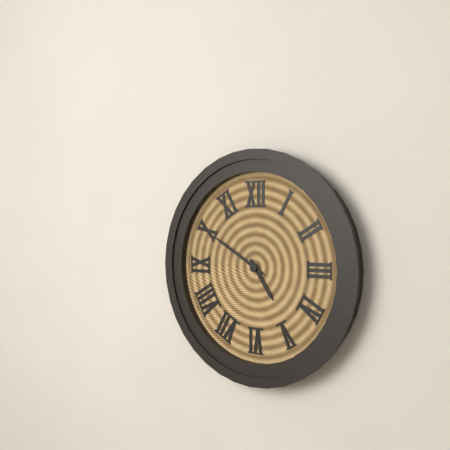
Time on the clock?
4:50
